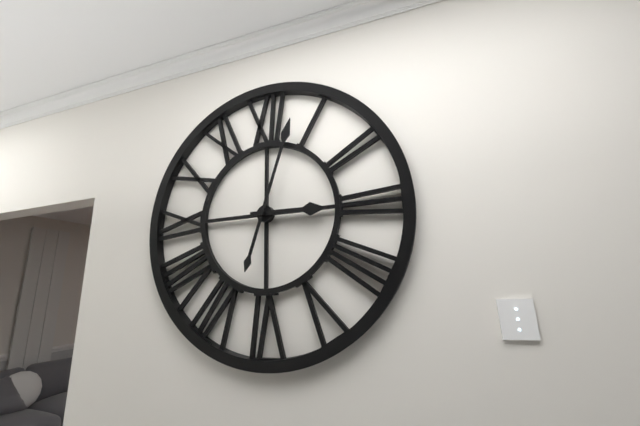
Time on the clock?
3:03
